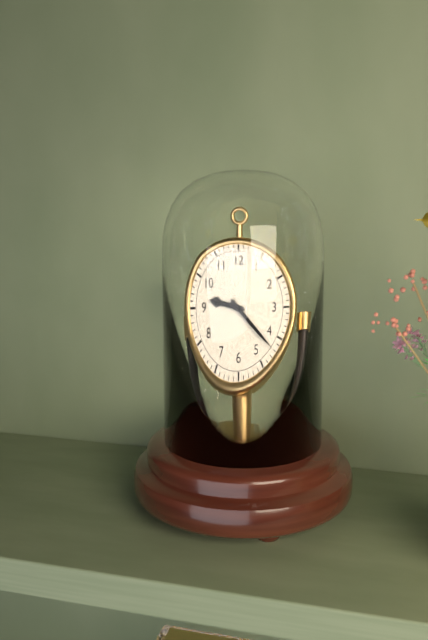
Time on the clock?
9:22
